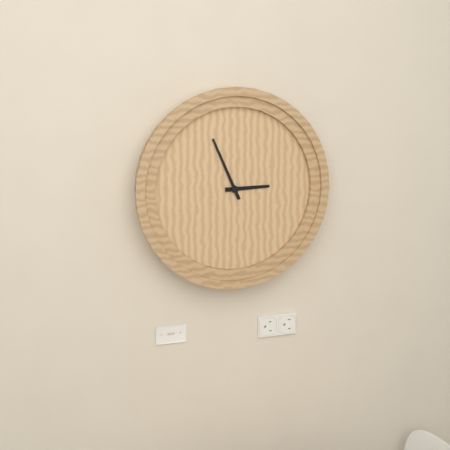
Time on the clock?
2:56
